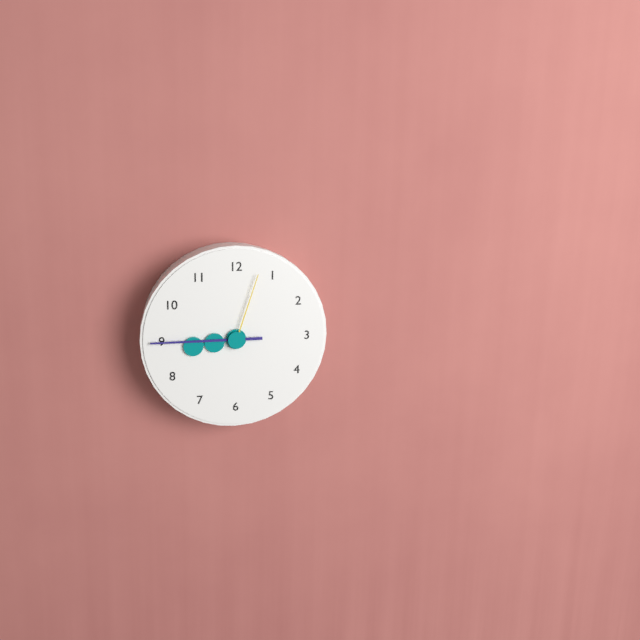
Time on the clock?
8:45:03
